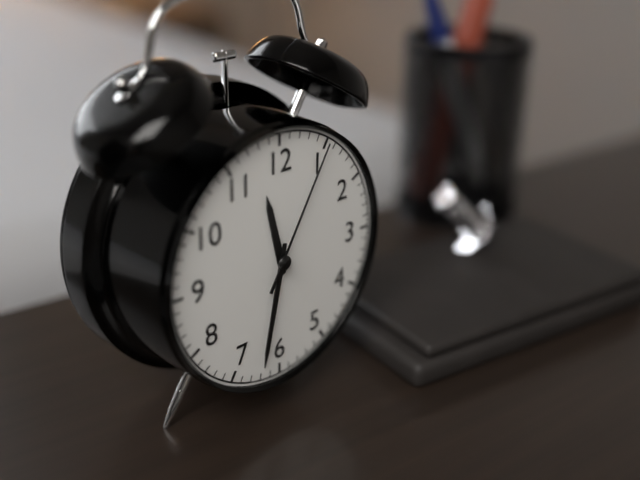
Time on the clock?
11:32:05
